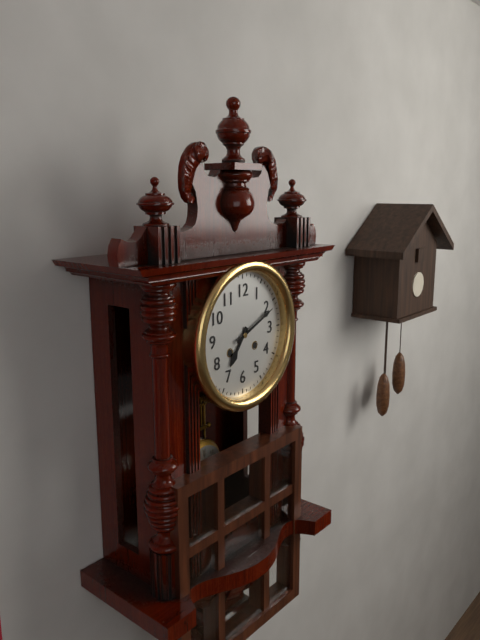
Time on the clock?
7:11
